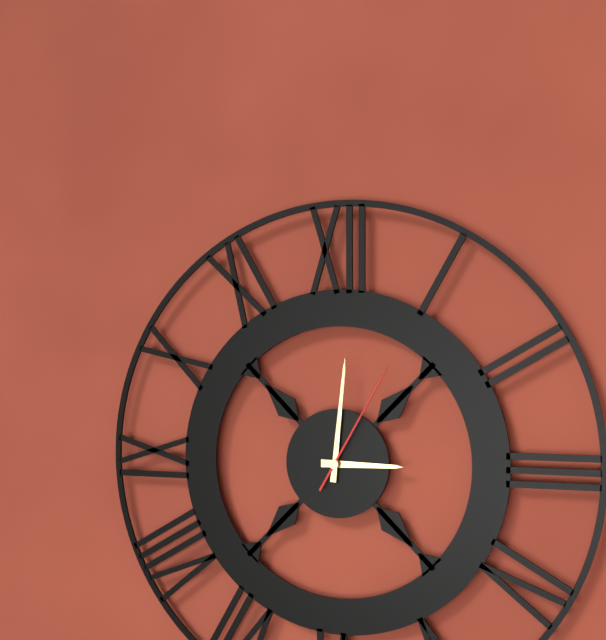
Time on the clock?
3:01:05
